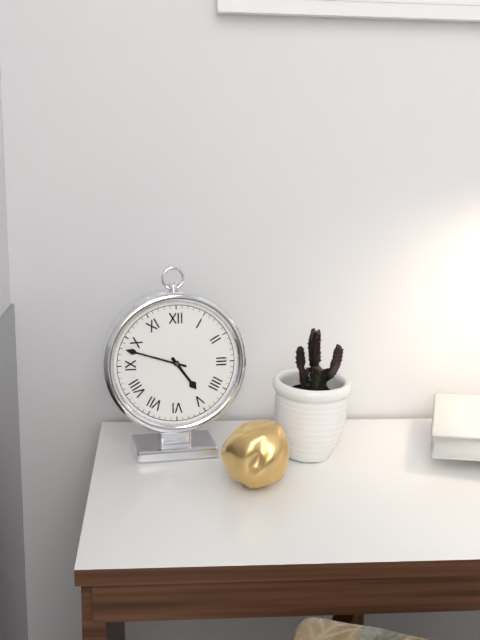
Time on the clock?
4:48
